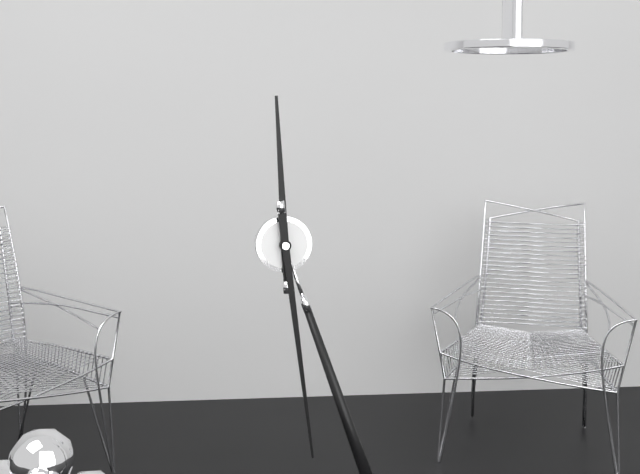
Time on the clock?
12:32
